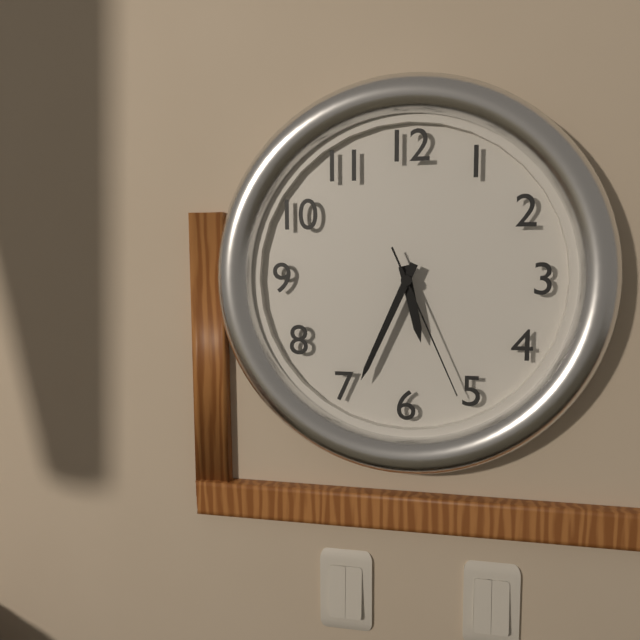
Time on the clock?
5:34:26
